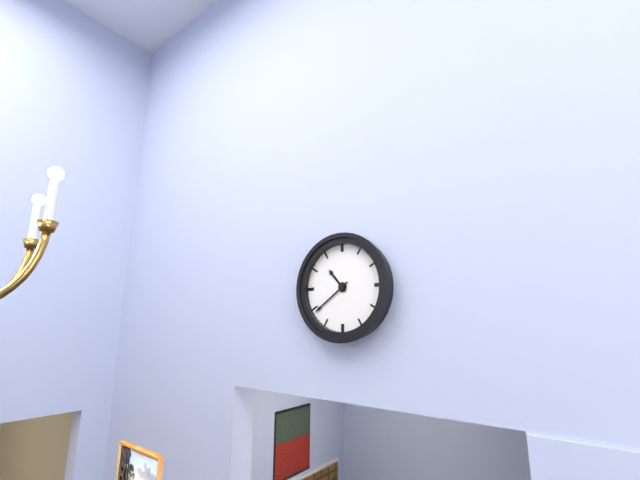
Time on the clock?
10:39
